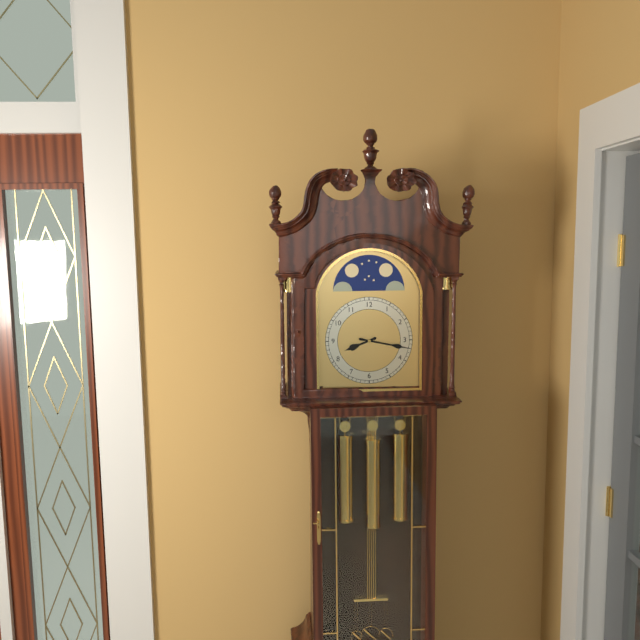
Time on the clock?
8:17
